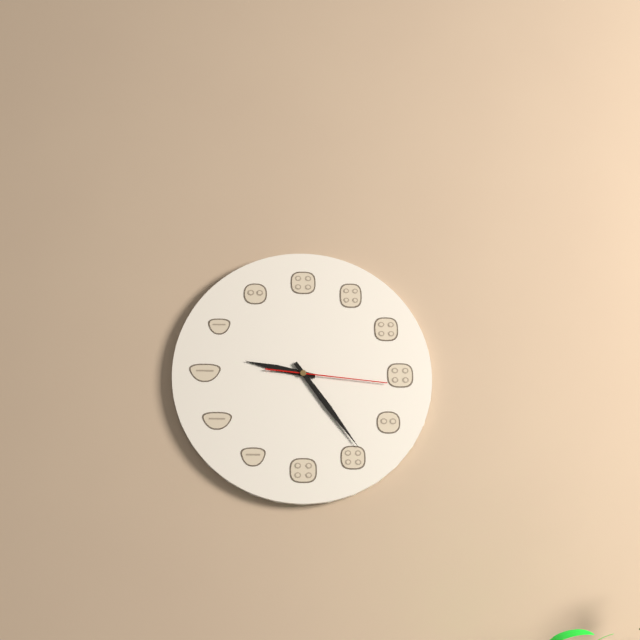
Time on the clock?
9:24:16
